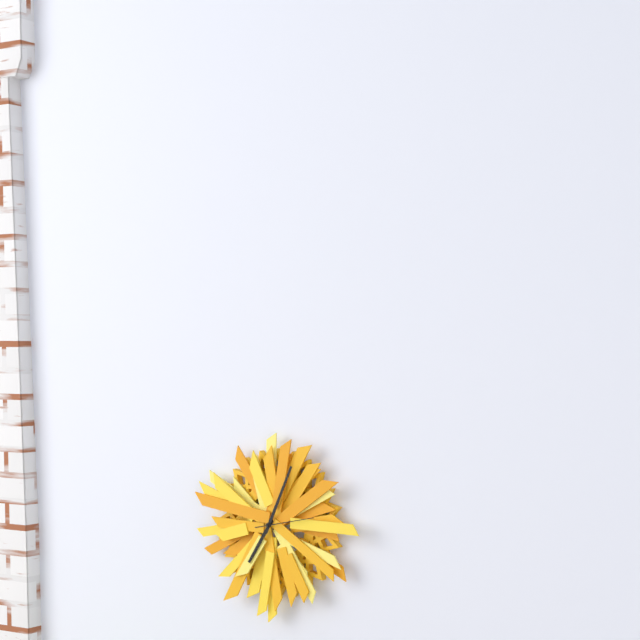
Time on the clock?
7:04:13
